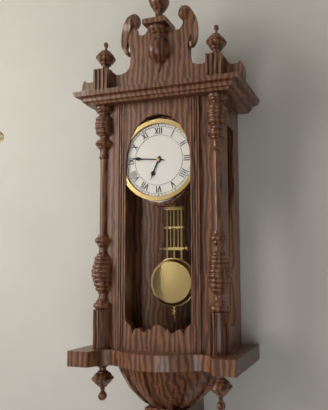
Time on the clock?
6:46
